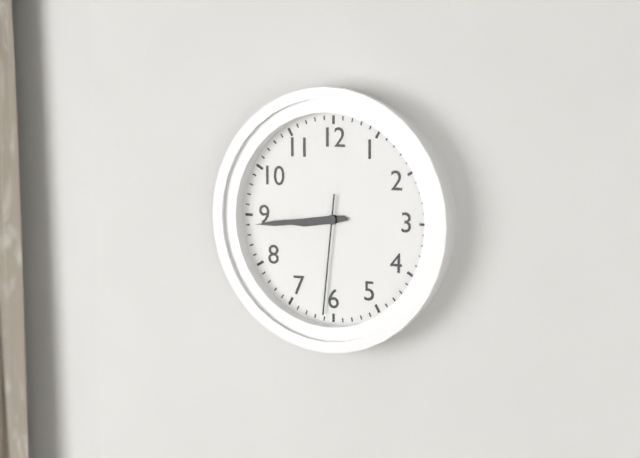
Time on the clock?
8:44:31
